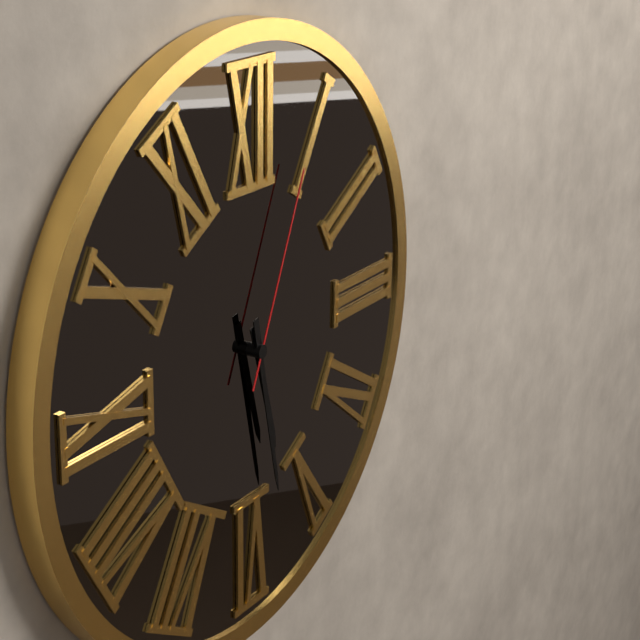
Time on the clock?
5:28:04
